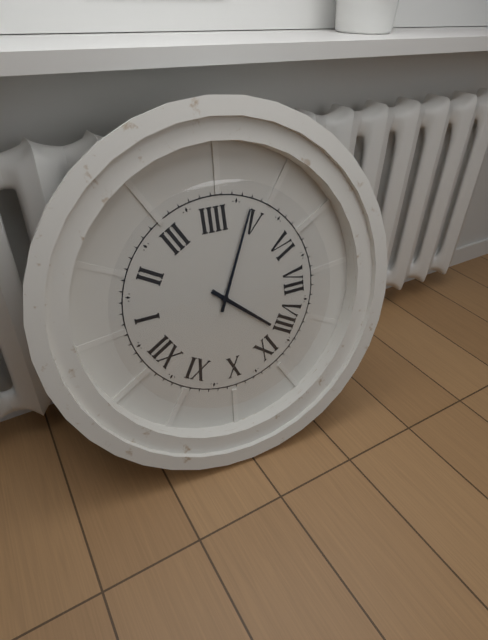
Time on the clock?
8:24
